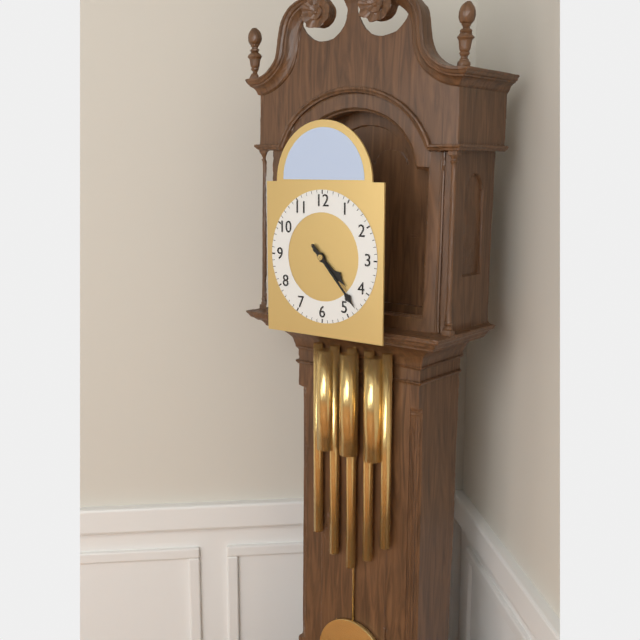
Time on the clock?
4:23
